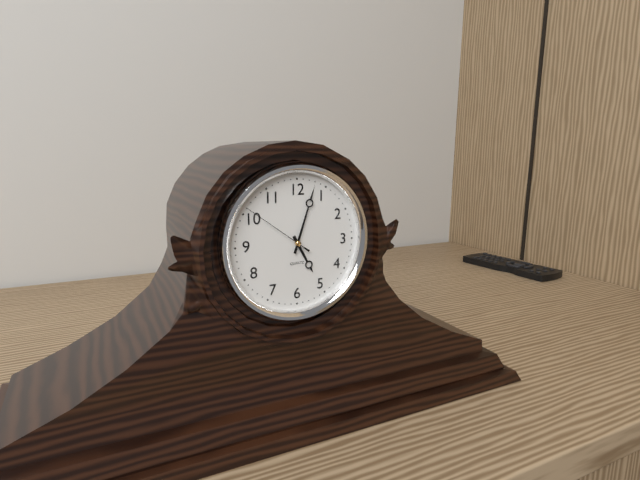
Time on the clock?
5:03:51
